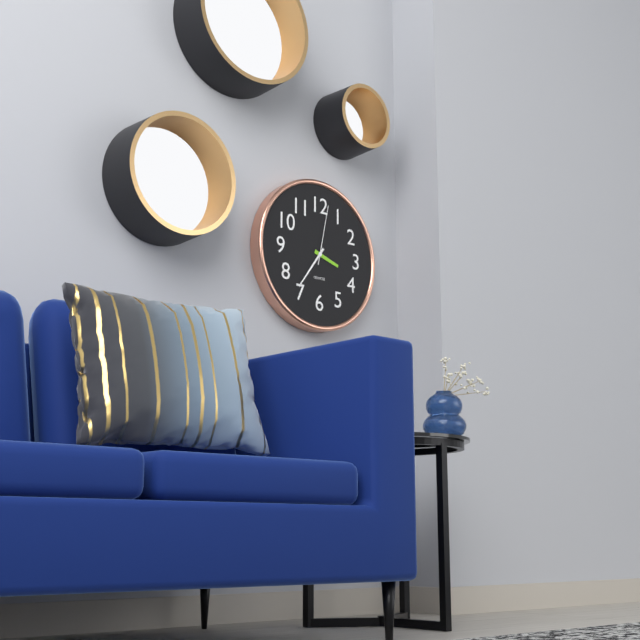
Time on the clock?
3:36:02
